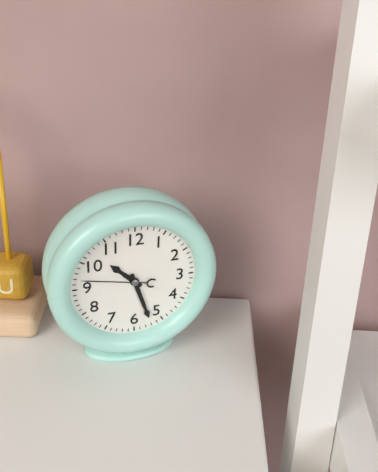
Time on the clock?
10:27:47
